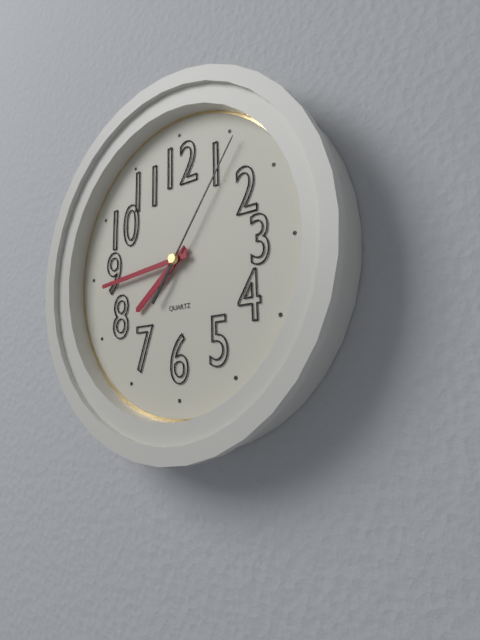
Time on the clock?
7:44:06
